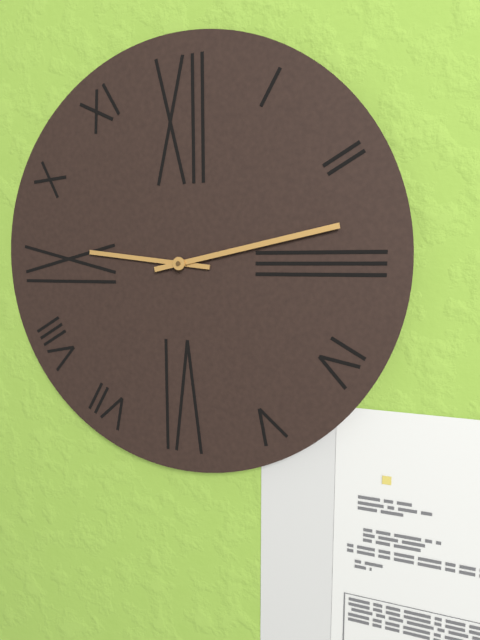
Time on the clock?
9:13
